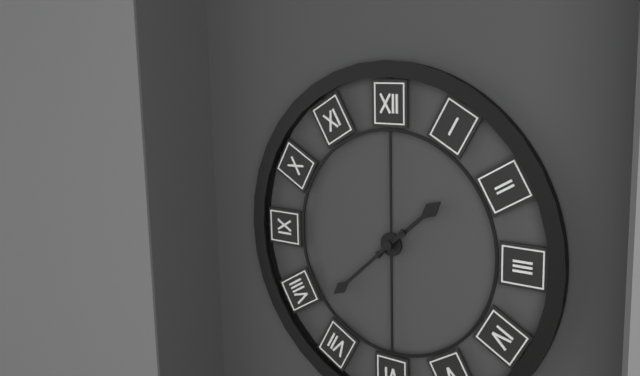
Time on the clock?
1:38
